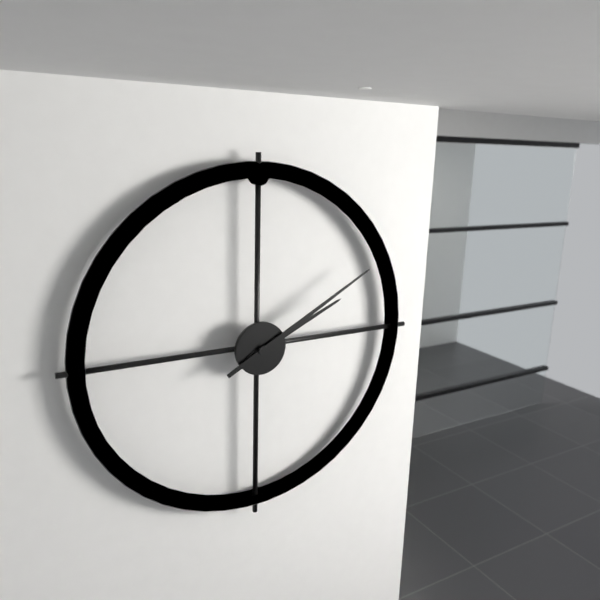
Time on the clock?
2:10
